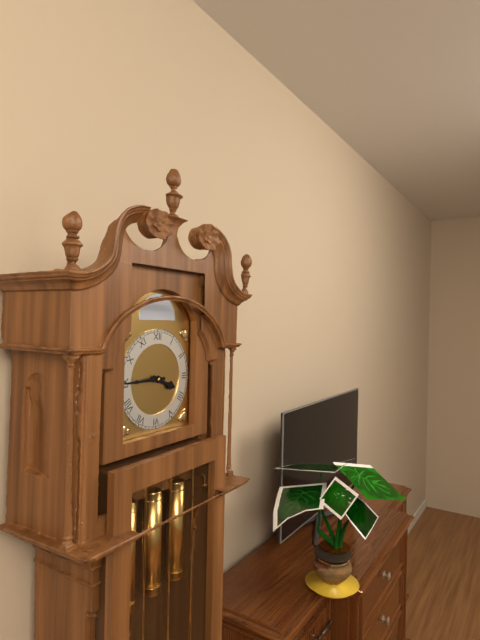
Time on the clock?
3:45
